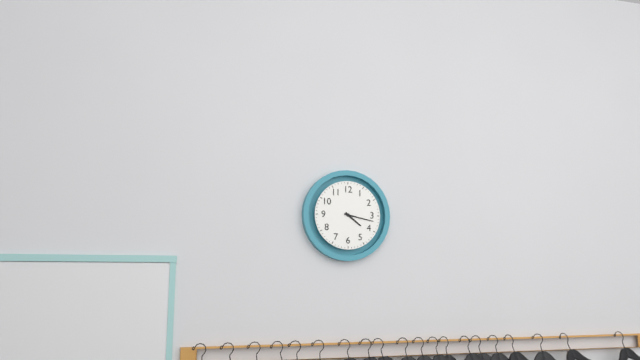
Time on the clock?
4:17
